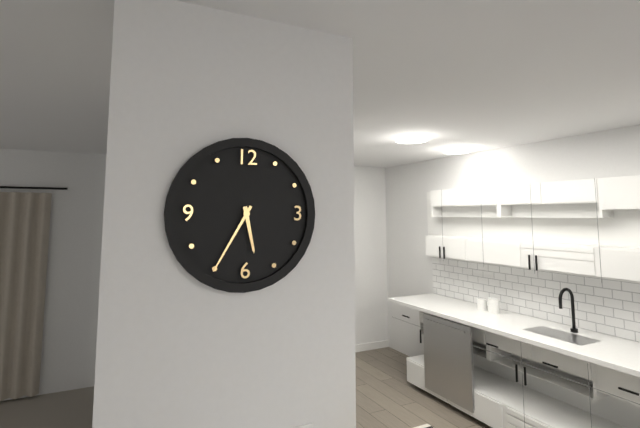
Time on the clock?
5:35
